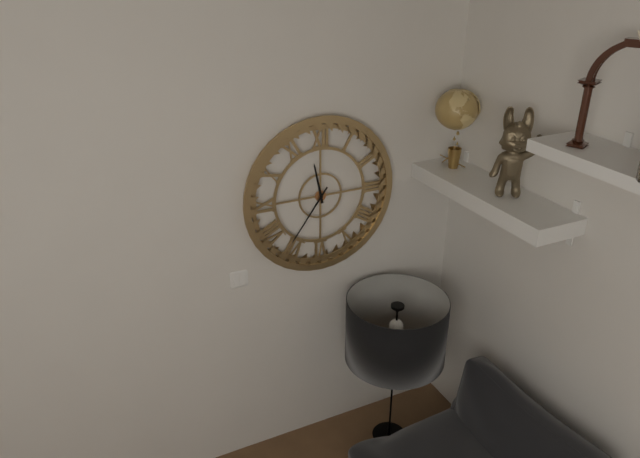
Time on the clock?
11:36
